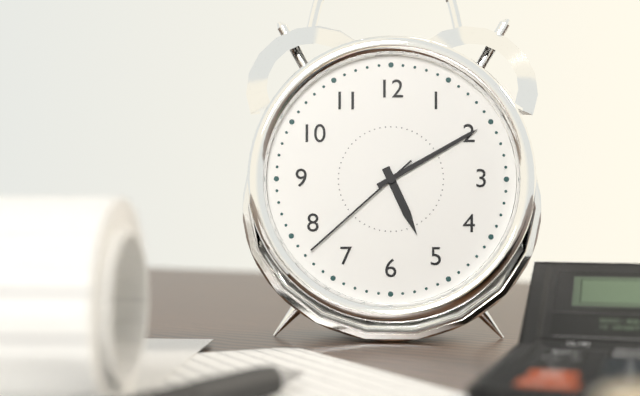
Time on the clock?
5:10:38
